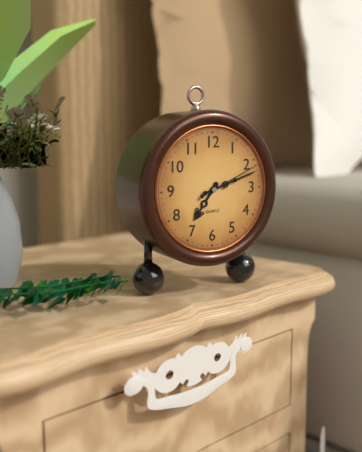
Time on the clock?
7:12:11
